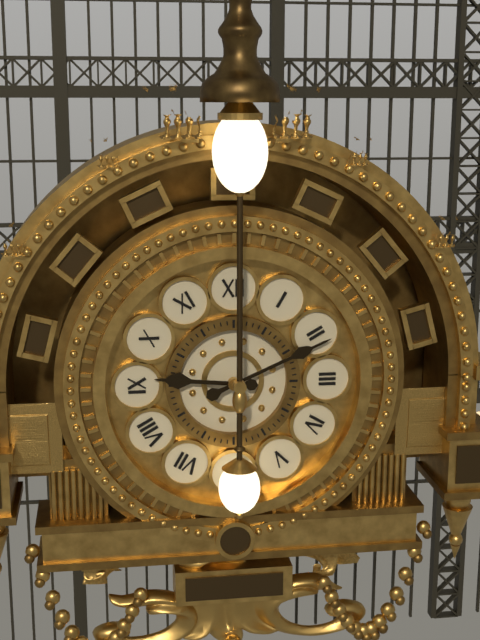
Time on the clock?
9:11
